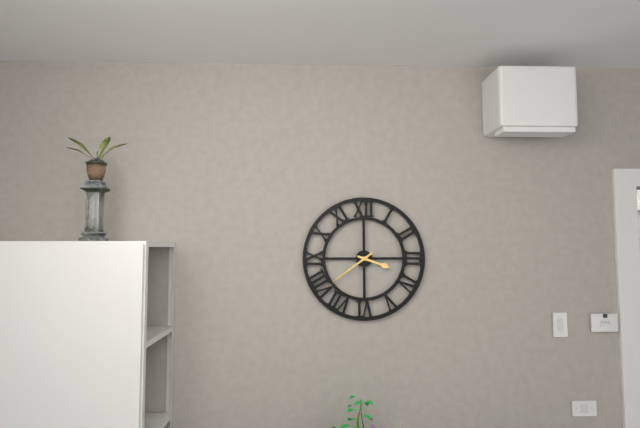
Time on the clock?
3:39
